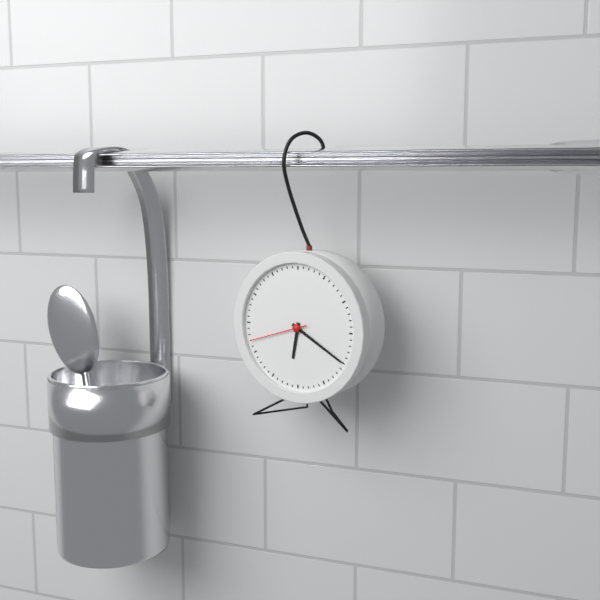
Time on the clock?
6:20:42
